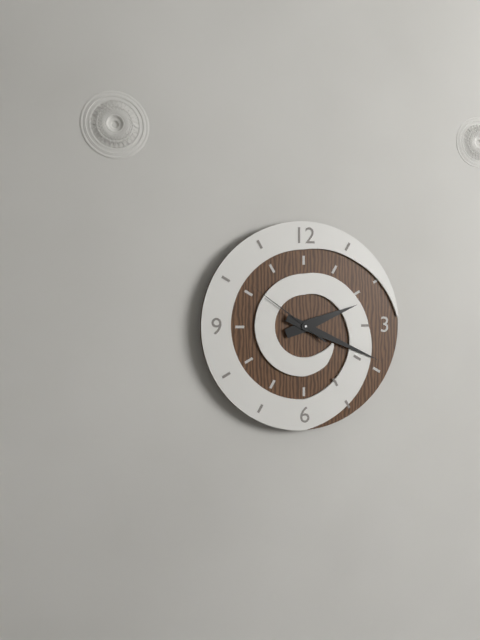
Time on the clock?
2:19:51
